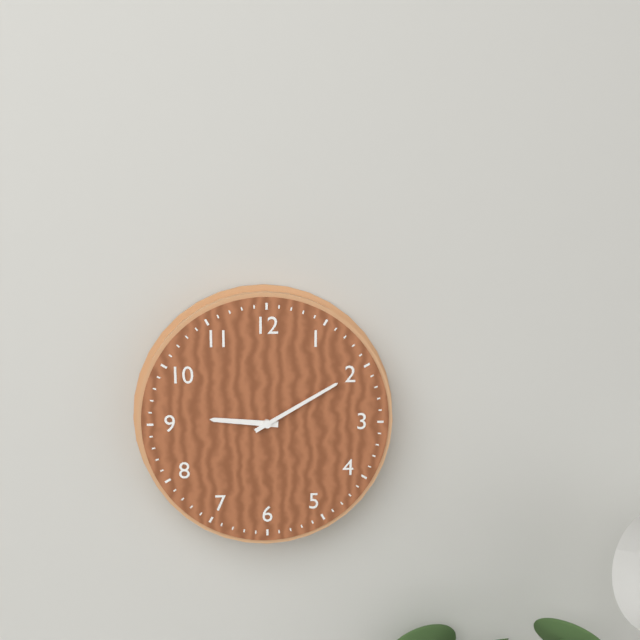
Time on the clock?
9:10
